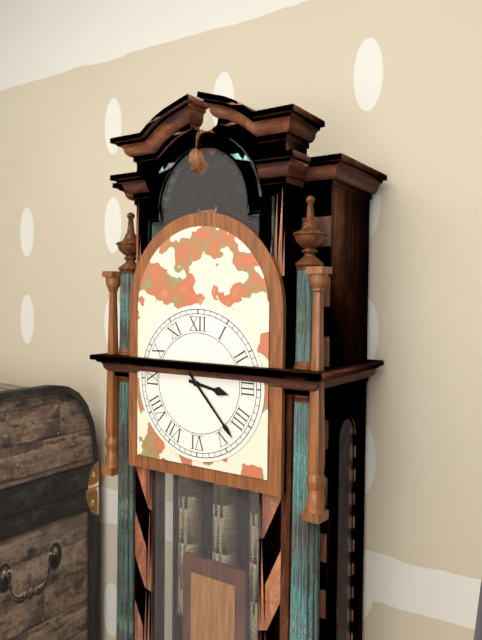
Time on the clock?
3:23
